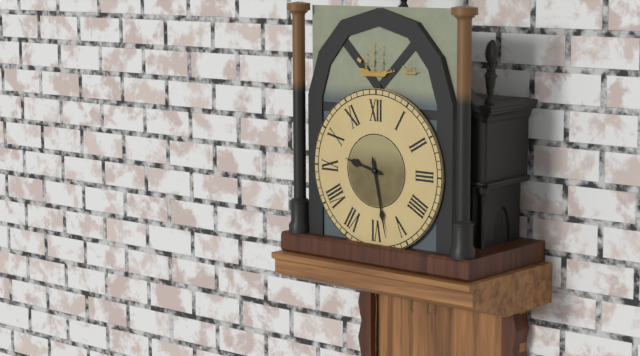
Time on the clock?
9:28
